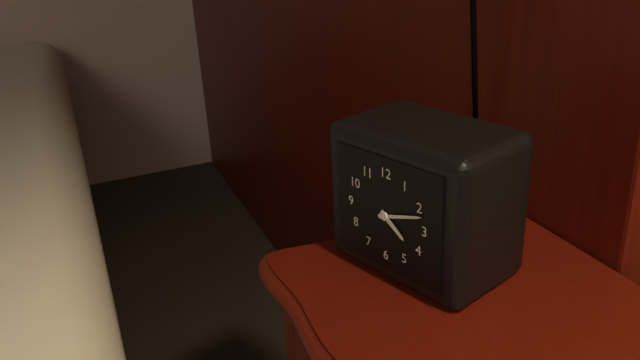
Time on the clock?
4:12
